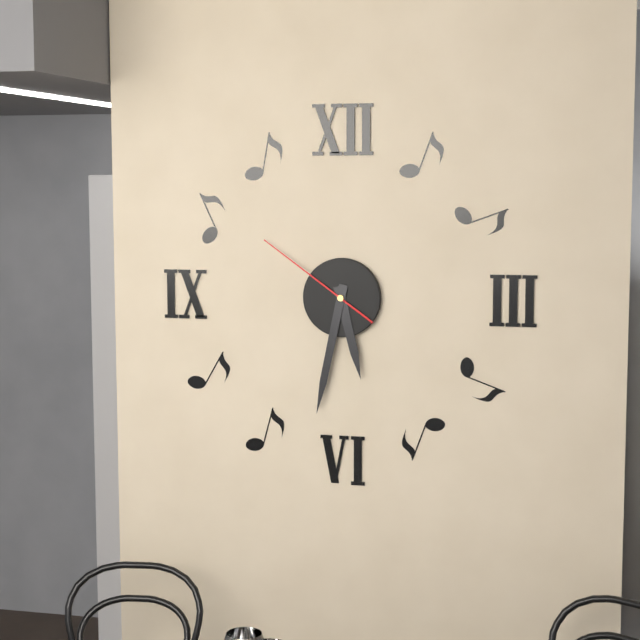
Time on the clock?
5:32:51
